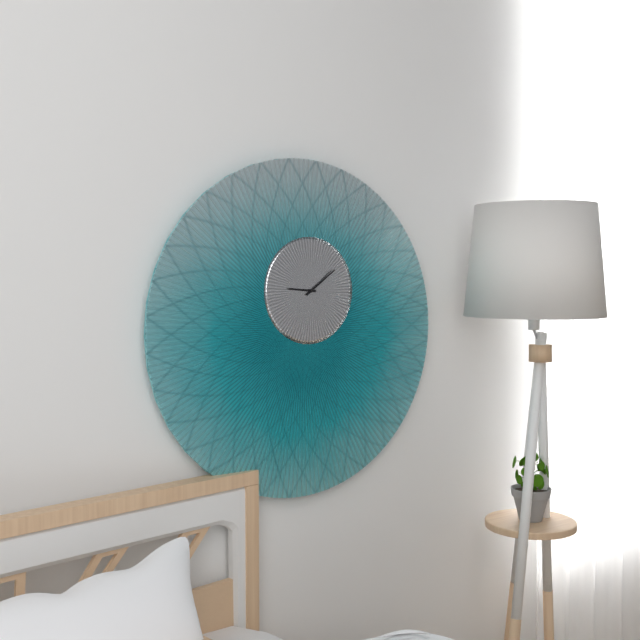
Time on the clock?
9:09
